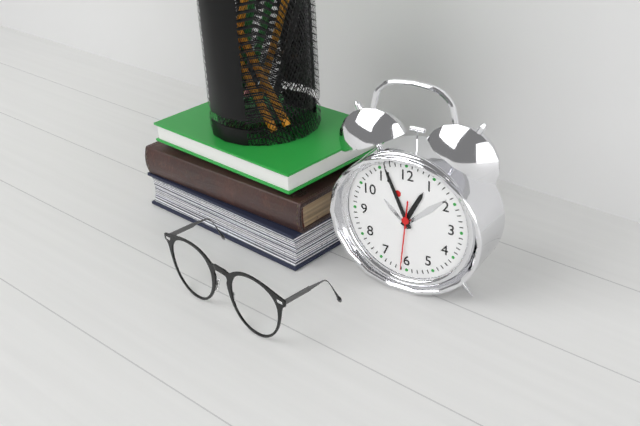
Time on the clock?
12:56:31
